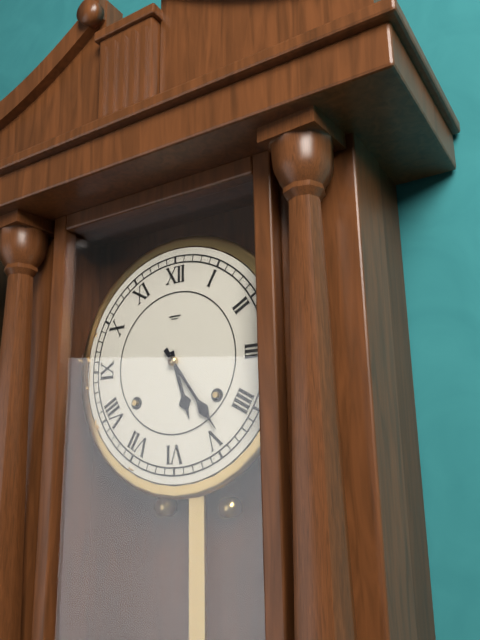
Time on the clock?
5:24
